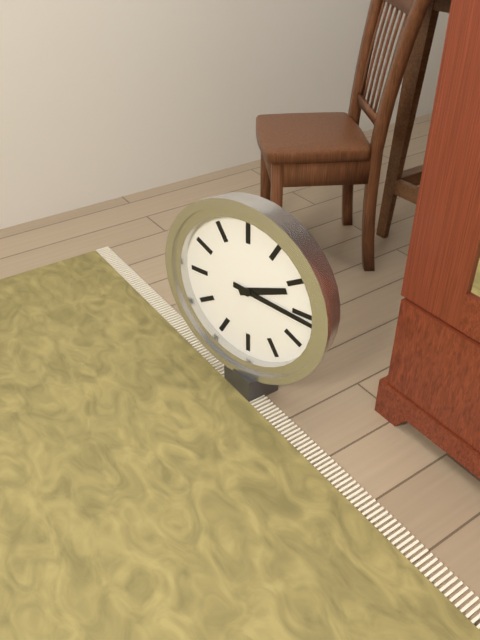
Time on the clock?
2:16
